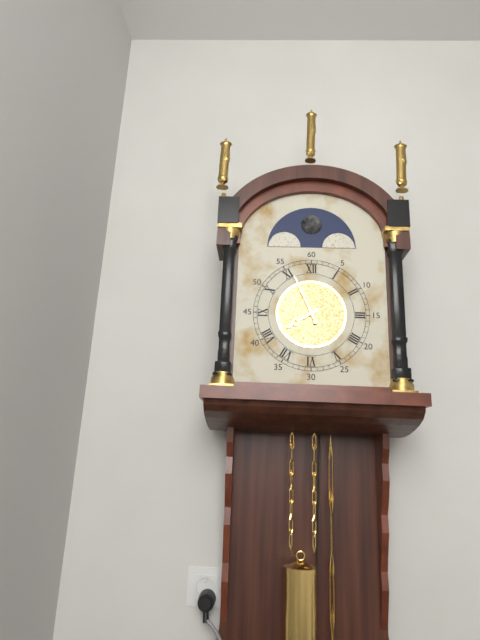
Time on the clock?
7:56
